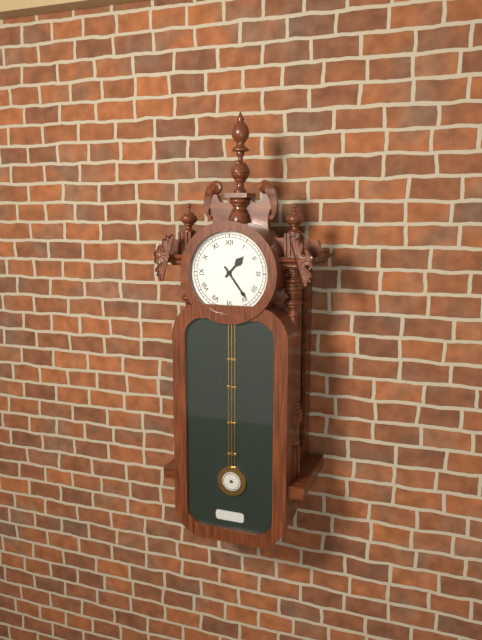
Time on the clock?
1:24
